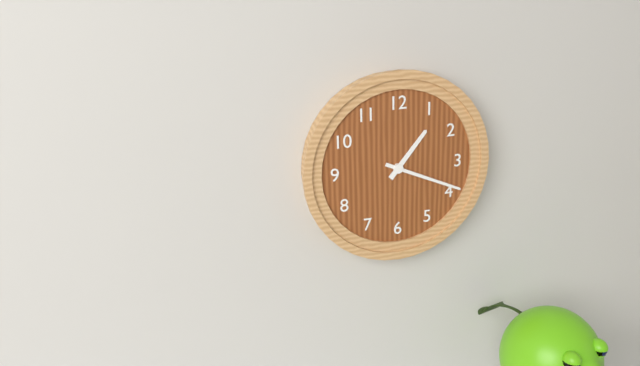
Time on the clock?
1:19
